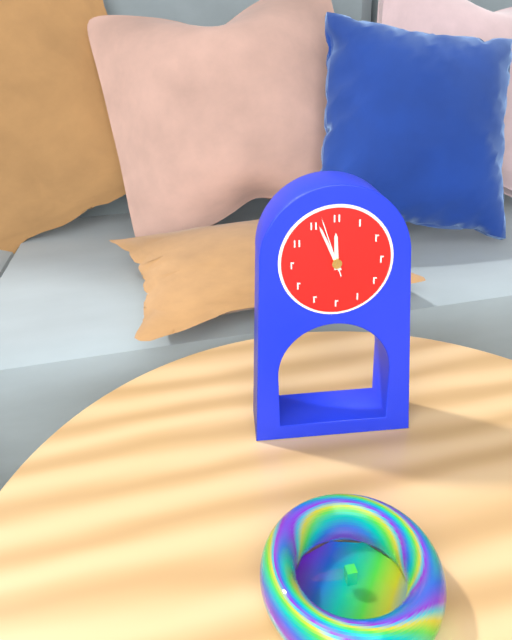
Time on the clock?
11:56:57
